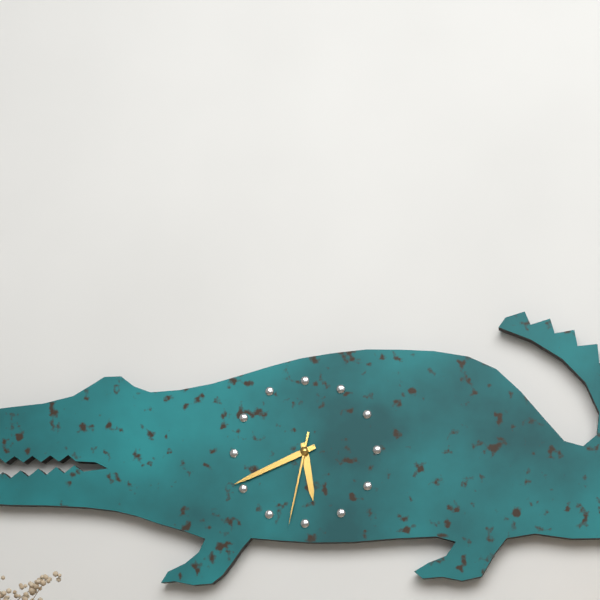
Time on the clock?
5:41:32
